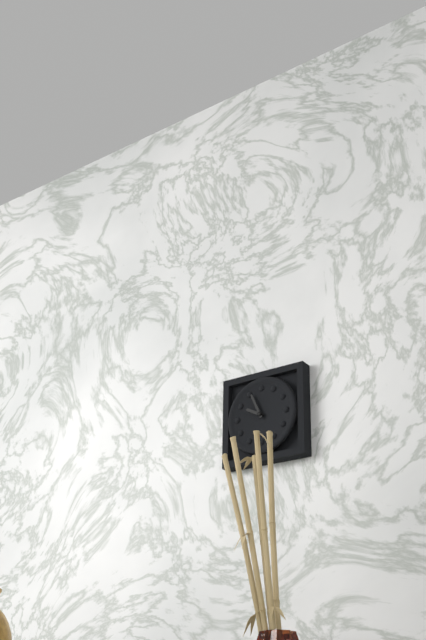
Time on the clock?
9:56
